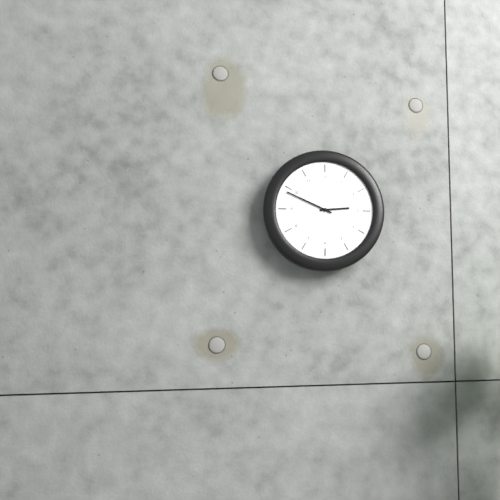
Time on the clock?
2:49
